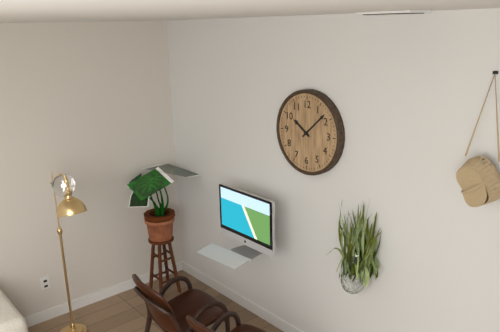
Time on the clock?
10:08
